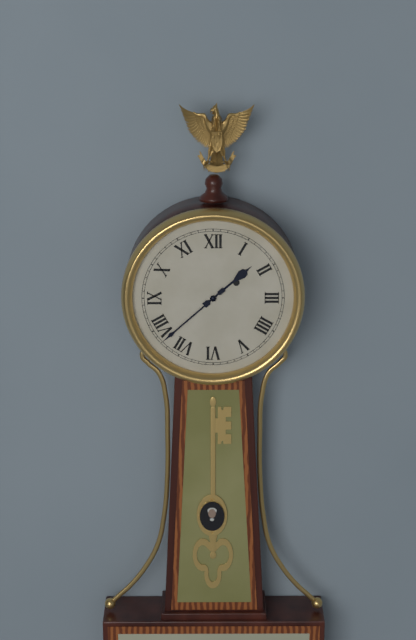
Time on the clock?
1:38
